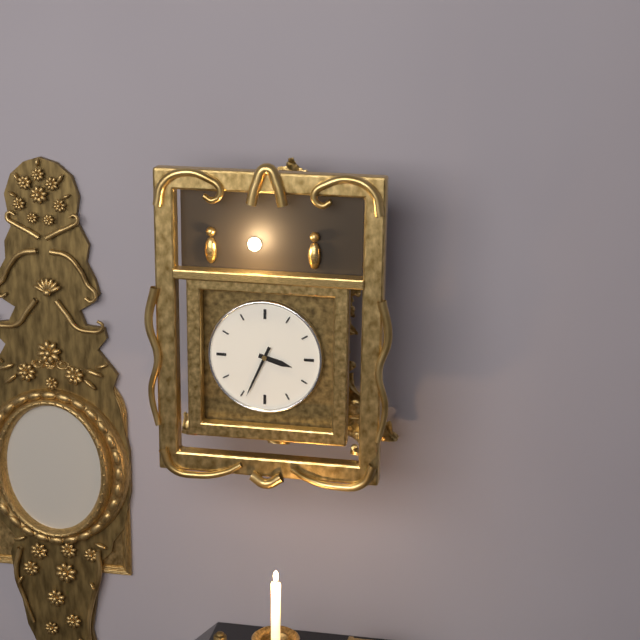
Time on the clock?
3:34
